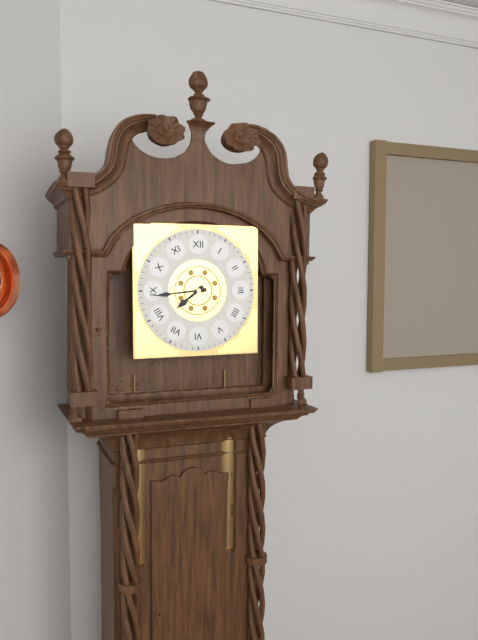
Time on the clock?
7:44
